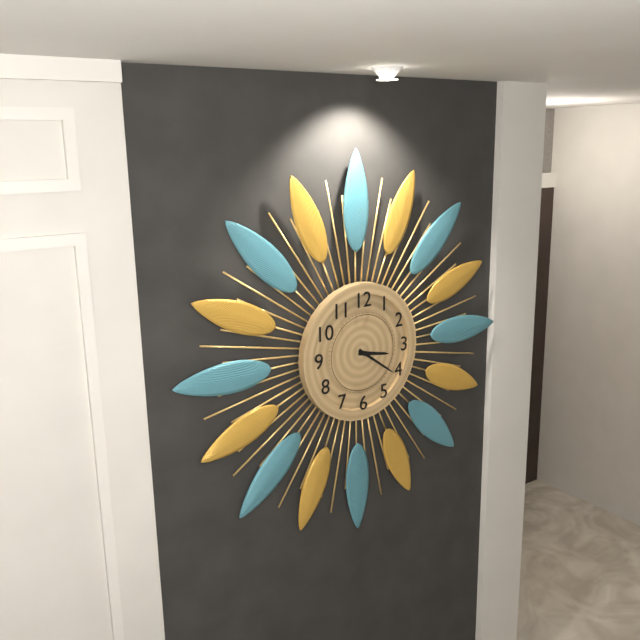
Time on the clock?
3:21
